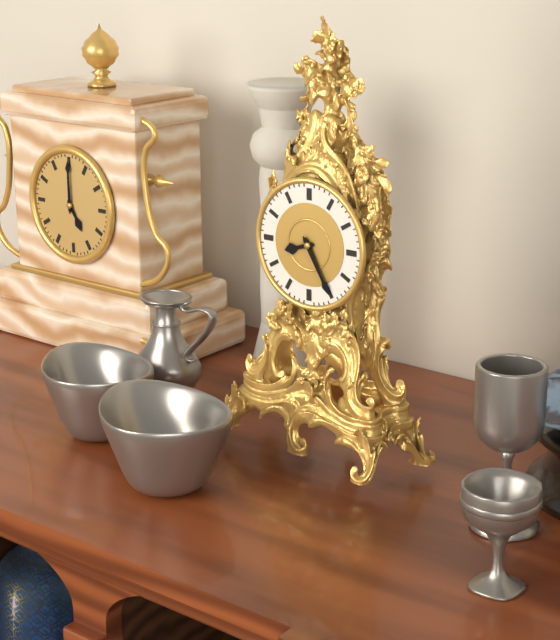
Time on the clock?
8:25
